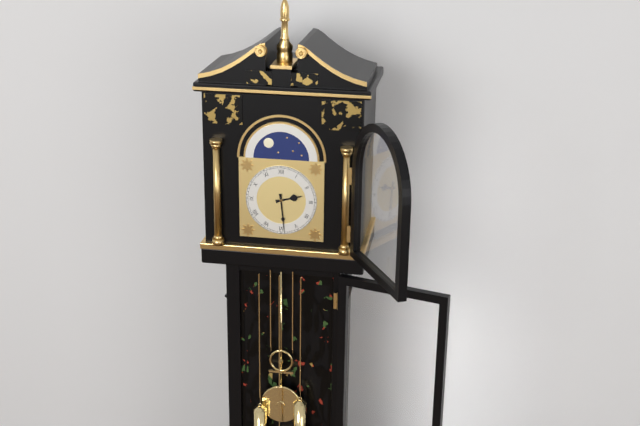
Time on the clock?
2:29
